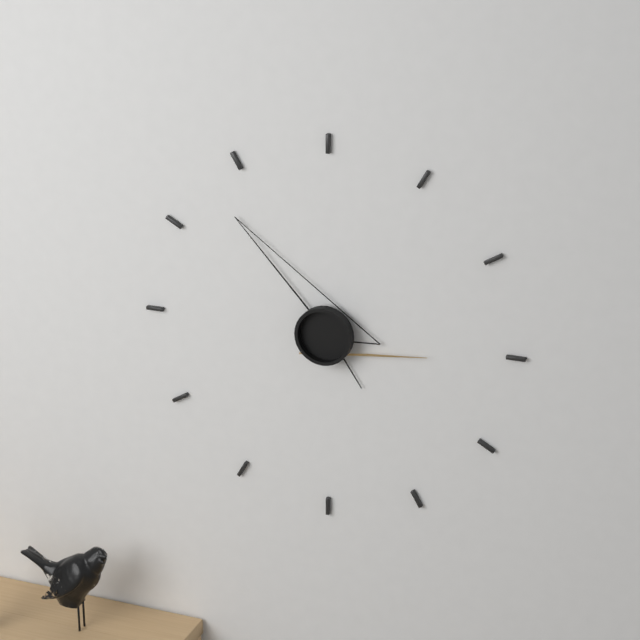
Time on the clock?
4:53:16
